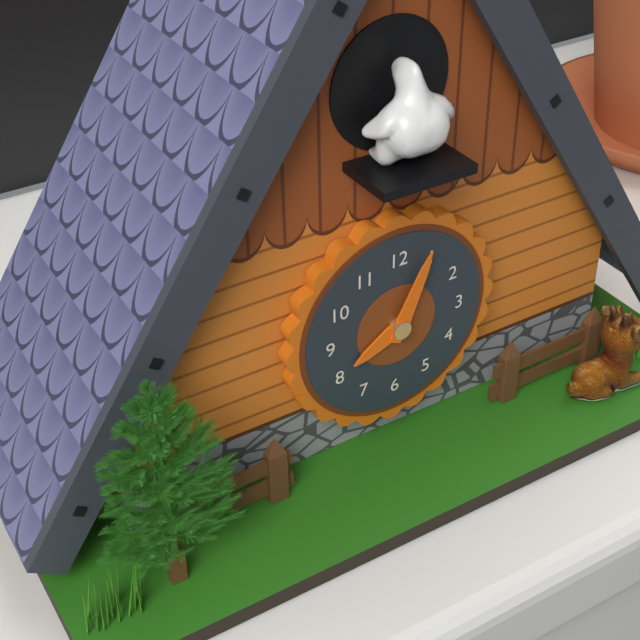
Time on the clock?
8:04
